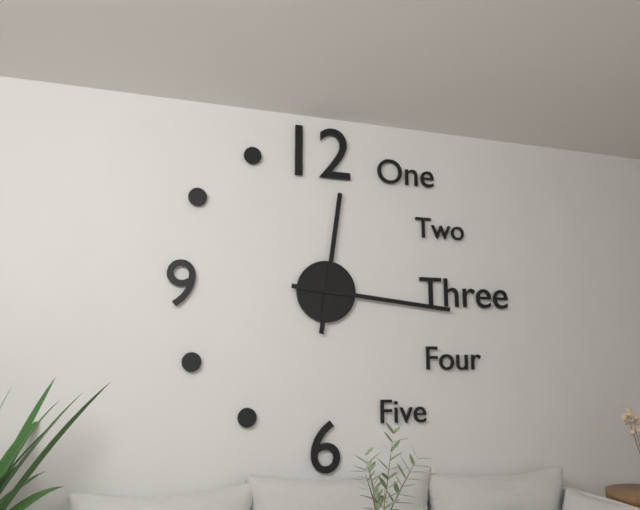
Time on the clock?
12:16
